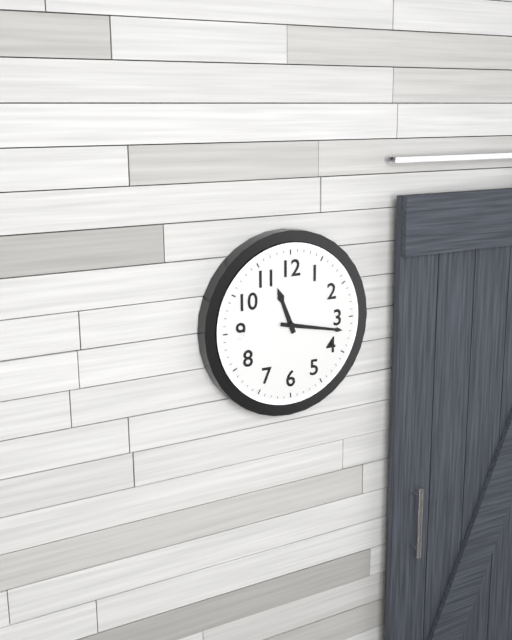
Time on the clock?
11:17
